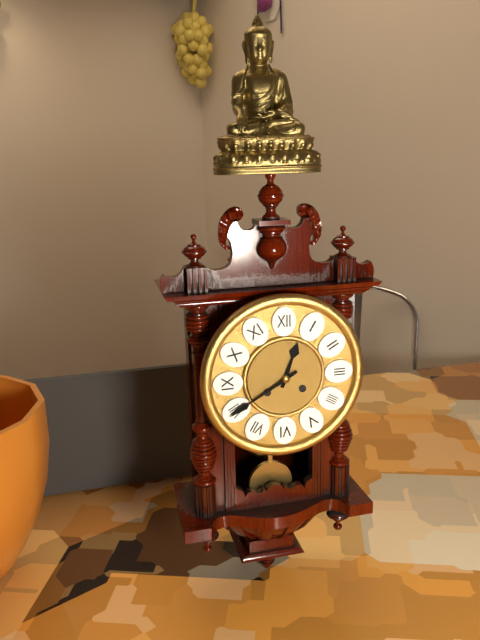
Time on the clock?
12:40
